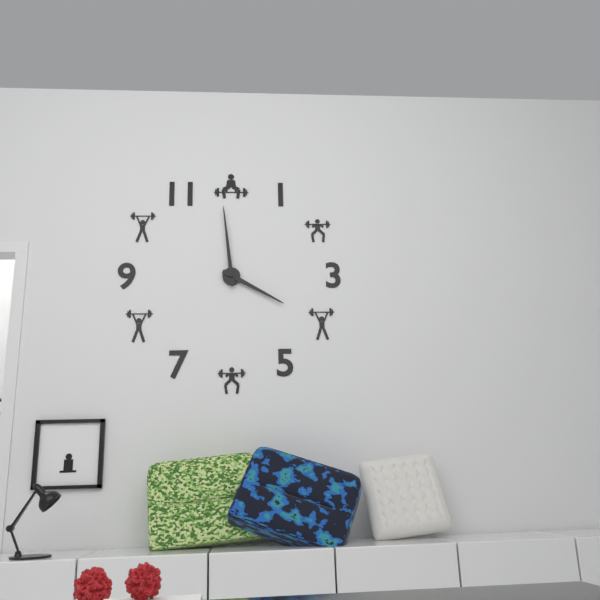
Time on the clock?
3:59
